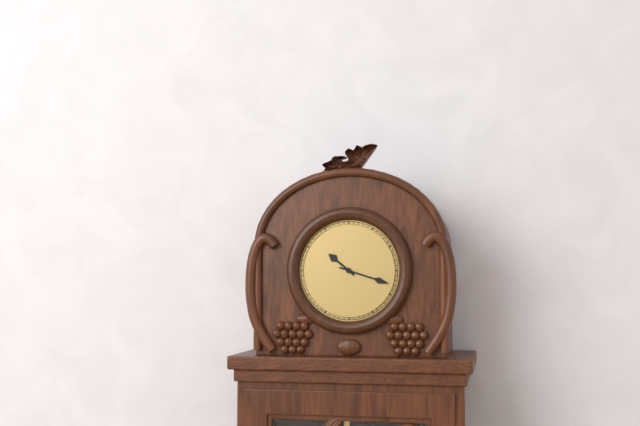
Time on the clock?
10:18
